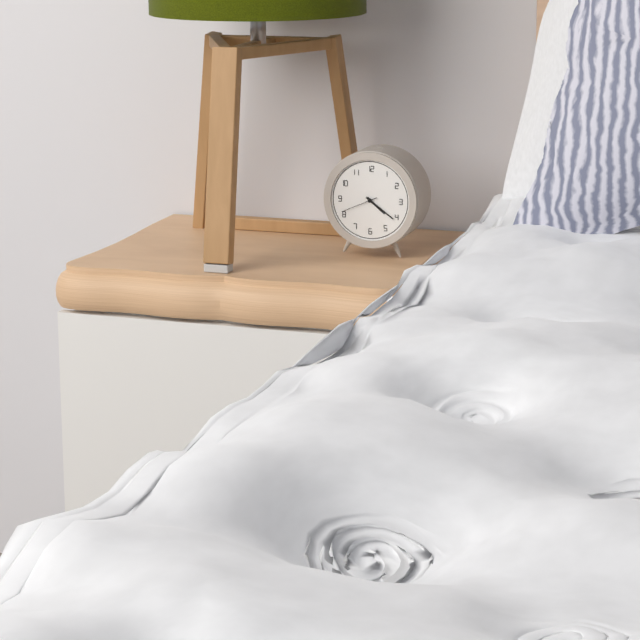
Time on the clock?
4:21
